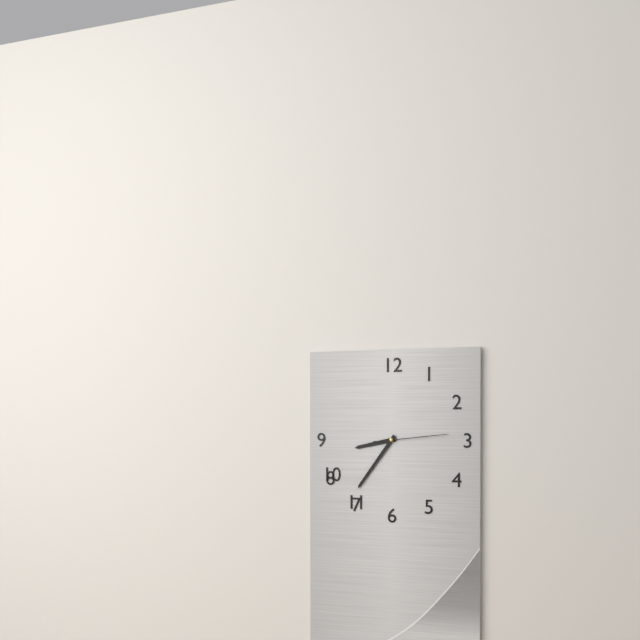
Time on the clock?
8:36:14
